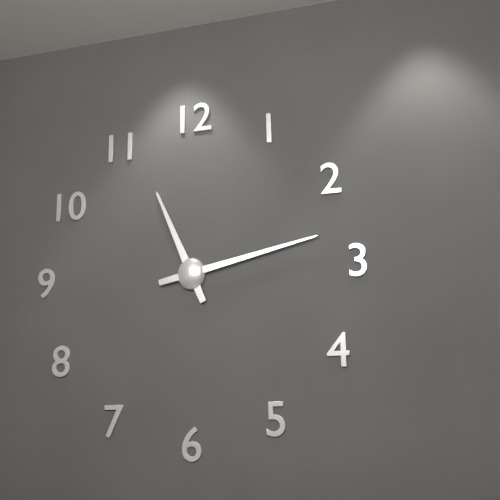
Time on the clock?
11:13
